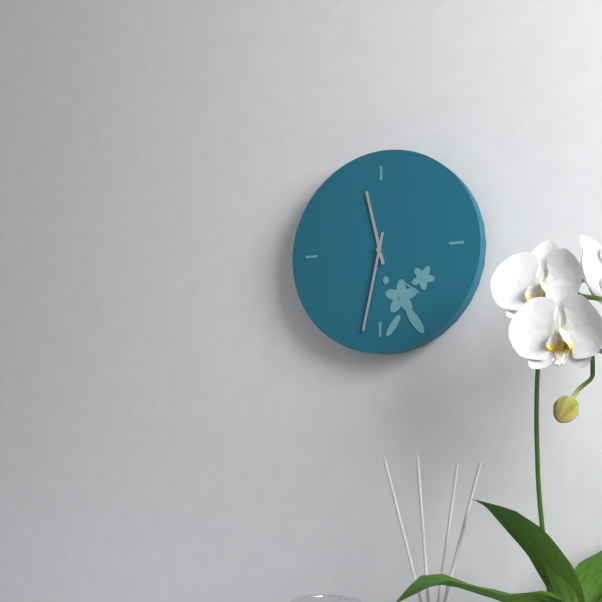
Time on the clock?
11:32
